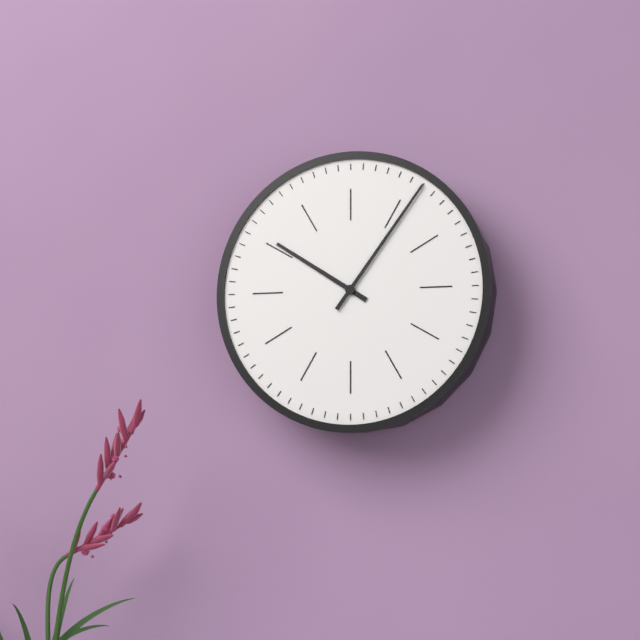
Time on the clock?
10:06
